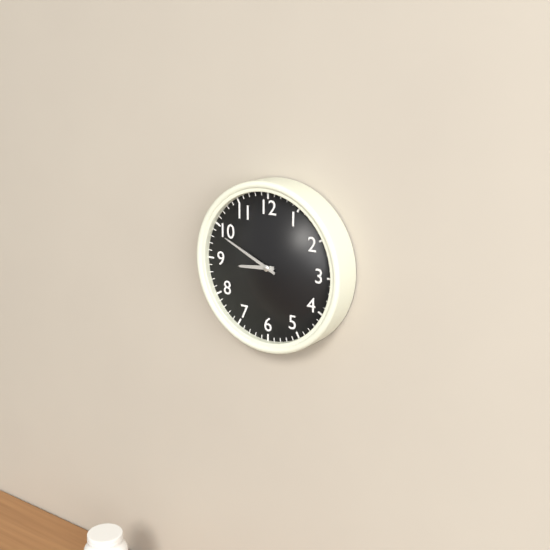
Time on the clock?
8:49
